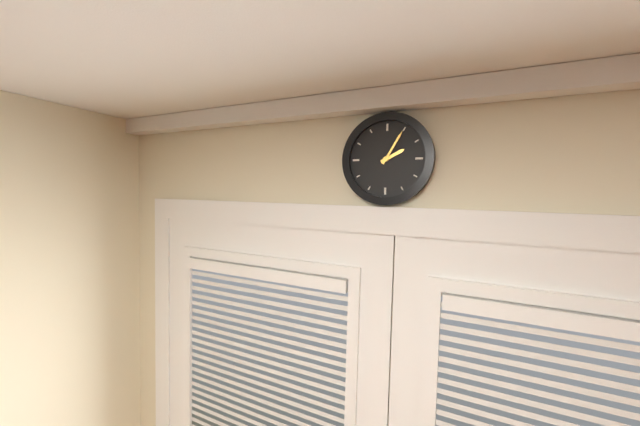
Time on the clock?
2:05
